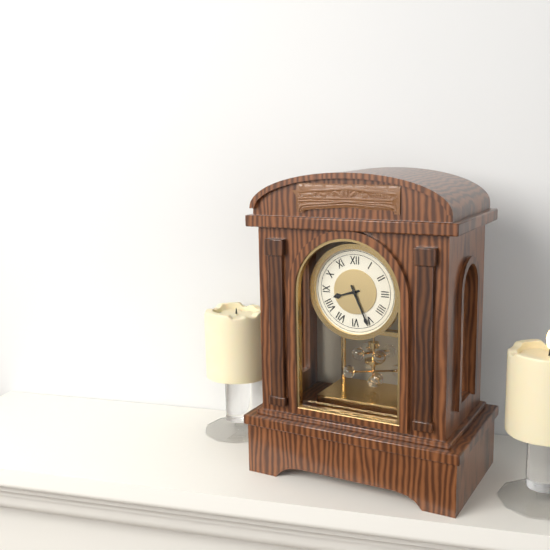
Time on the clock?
8:26
